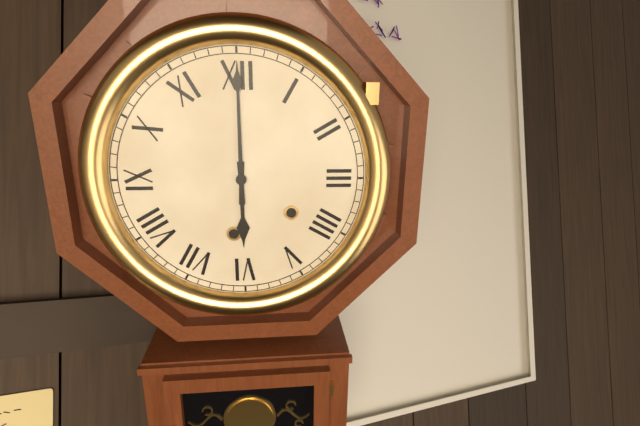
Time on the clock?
6:00
